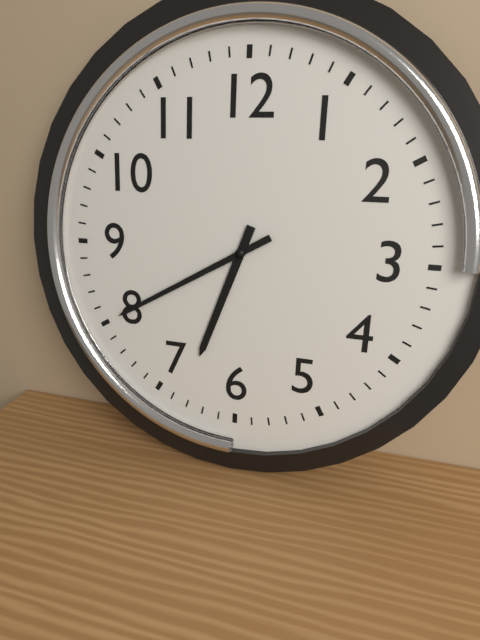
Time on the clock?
6:40
